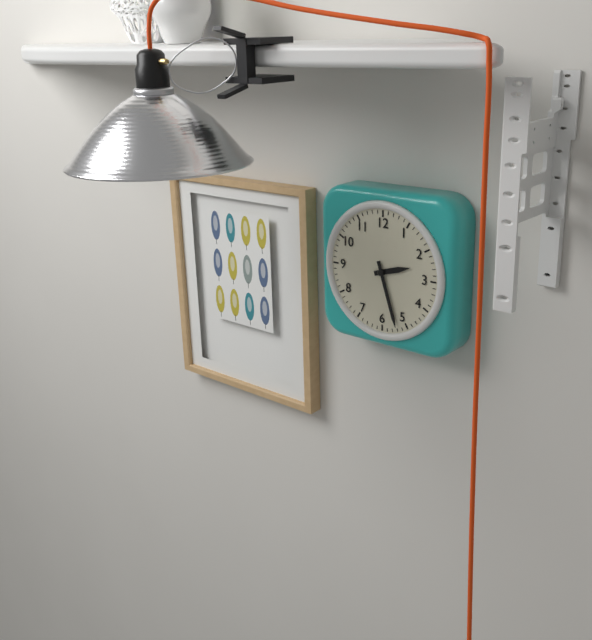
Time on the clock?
2:27
